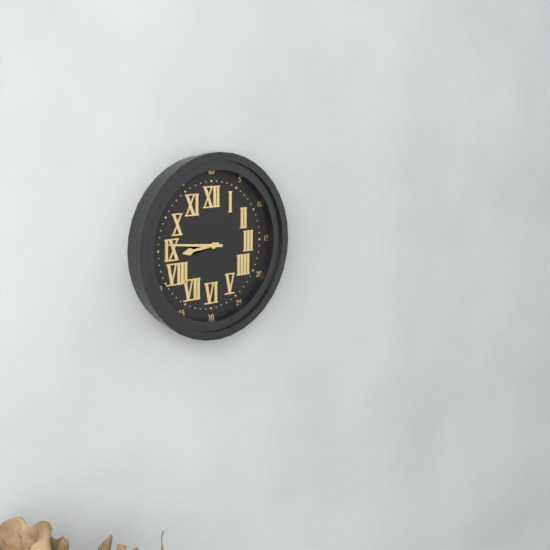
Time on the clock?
8:46
